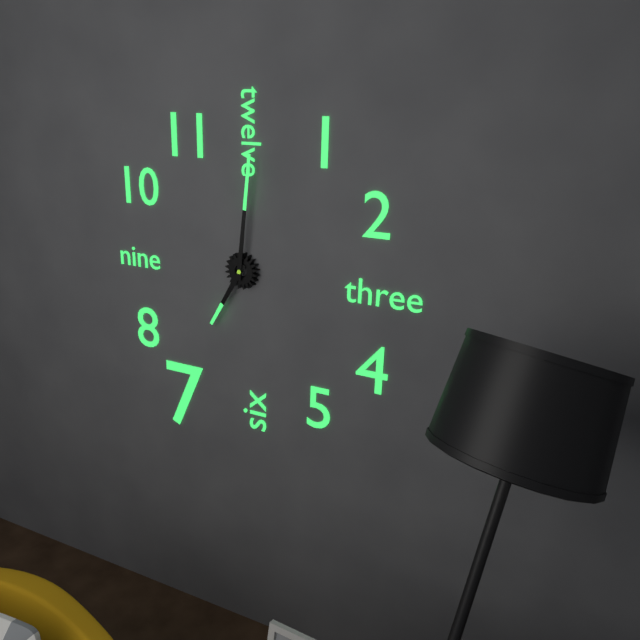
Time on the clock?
7:01
